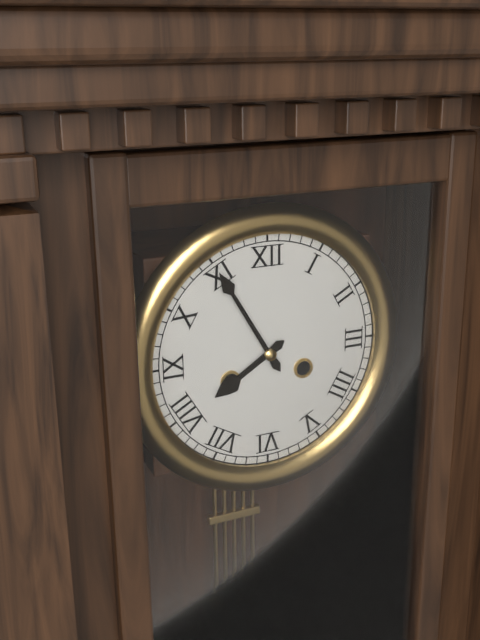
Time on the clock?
7:55
